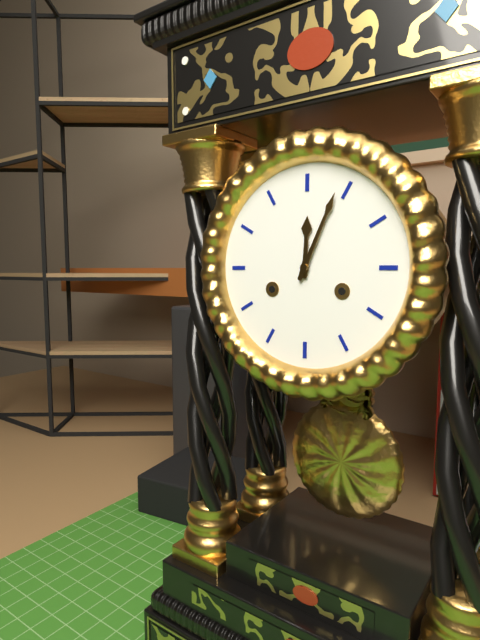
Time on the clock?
12:04
